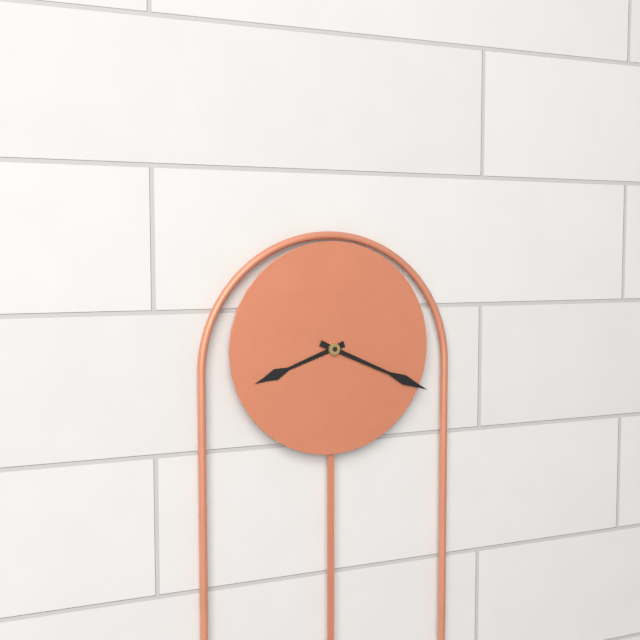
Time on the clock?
8:19
